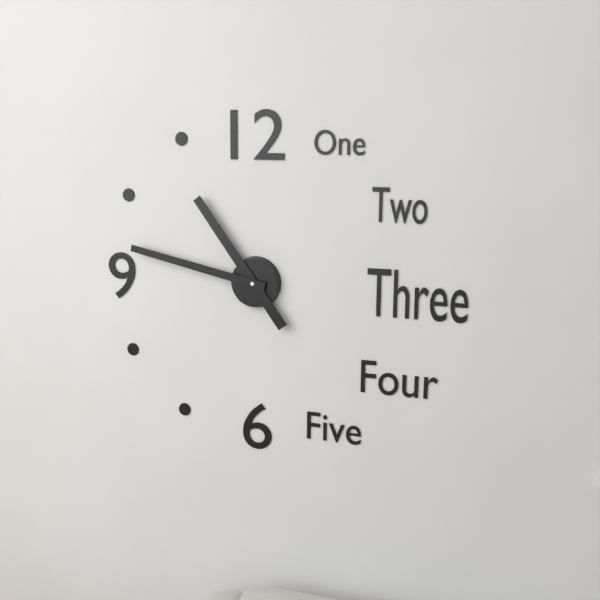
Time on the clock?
10:47
